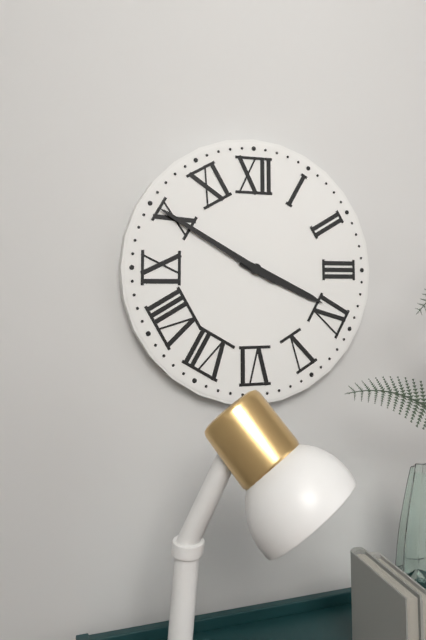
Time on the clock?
3:50
